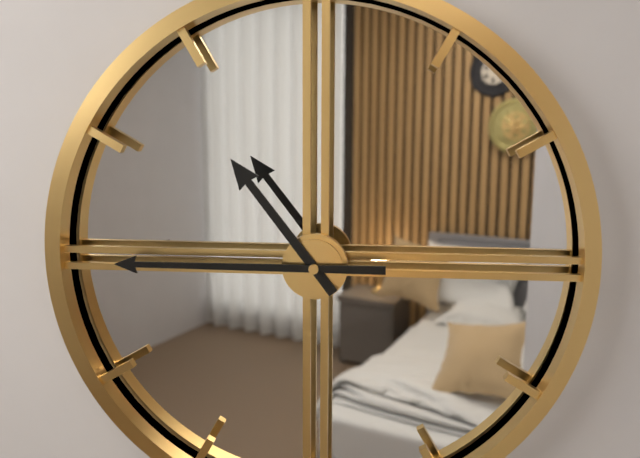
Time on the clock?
10:45
